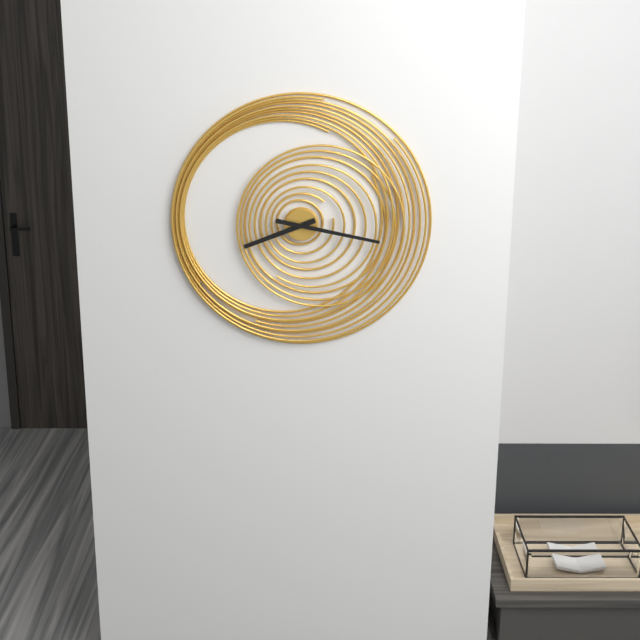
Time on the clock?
8:17
